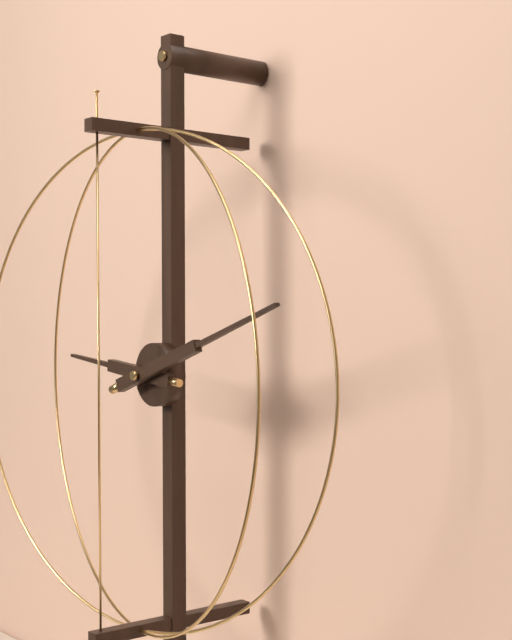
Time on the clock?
9:12
